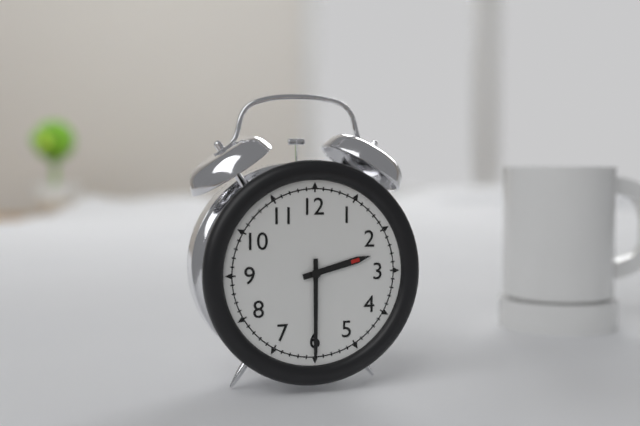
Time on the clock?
2:30
